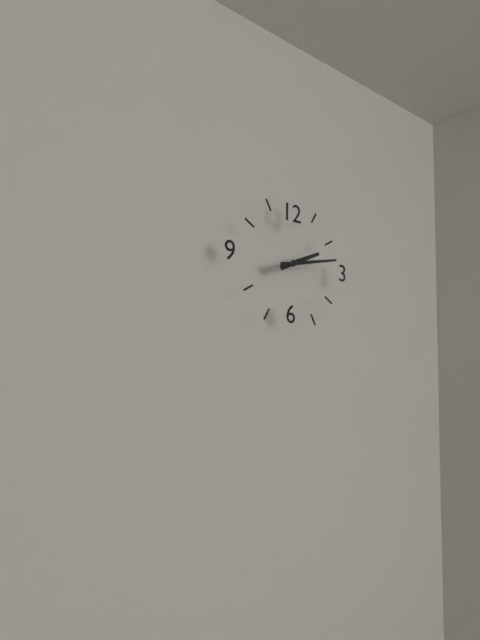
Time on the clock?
2:13
